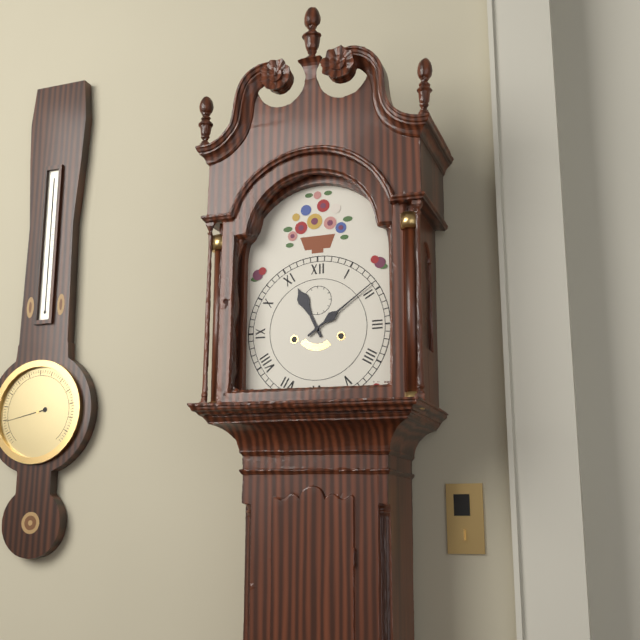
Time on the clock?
11:09
